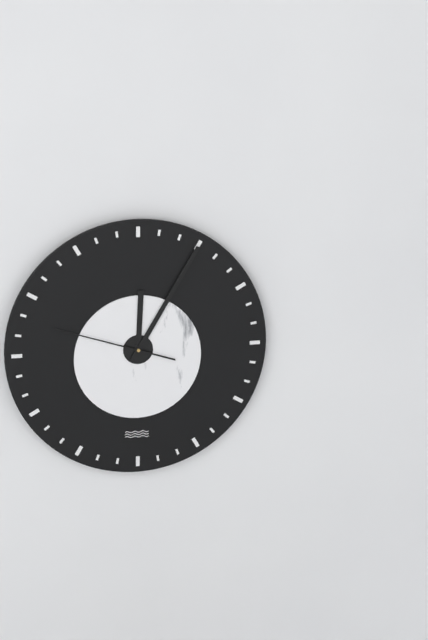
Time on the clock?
12:05:48
